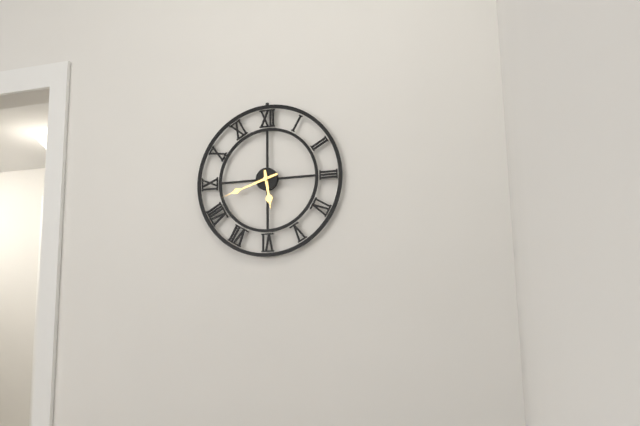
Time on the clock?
5:42
